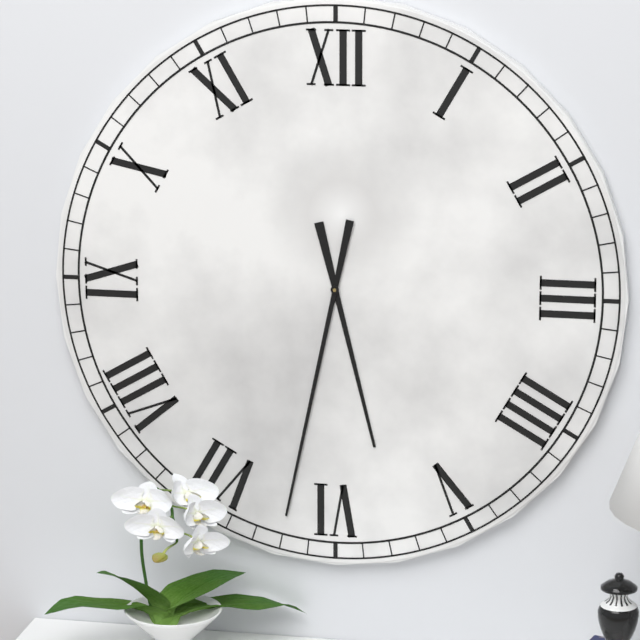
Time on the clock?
5:32
